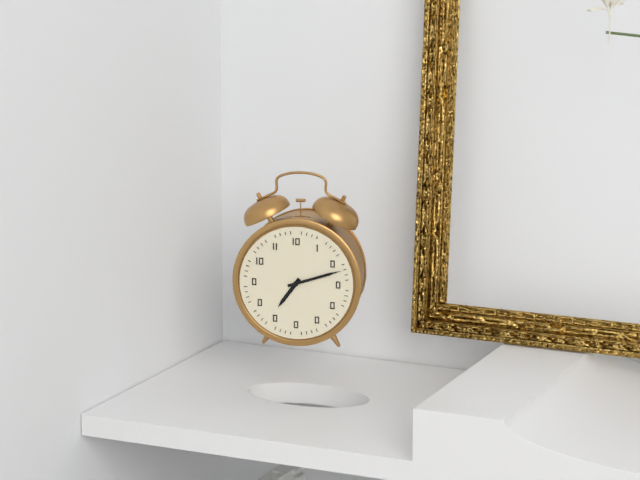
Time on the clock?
7:12
